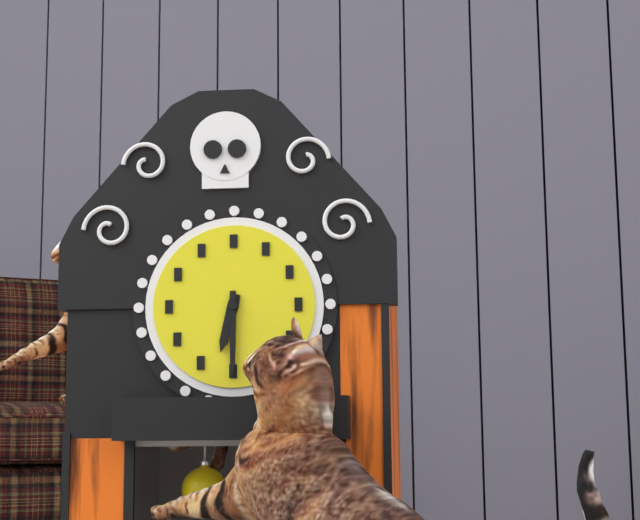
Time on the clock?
6:30
